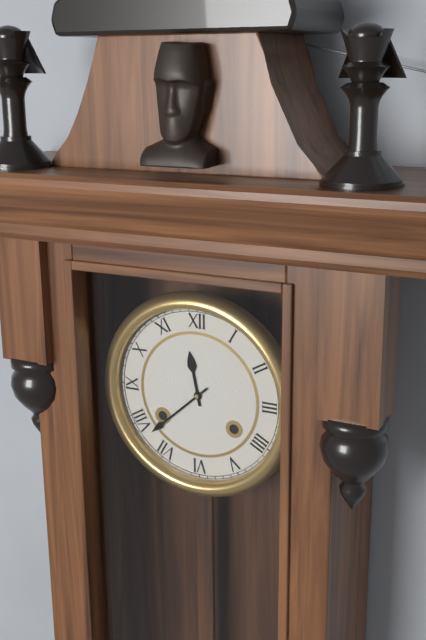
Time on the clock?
11:38
